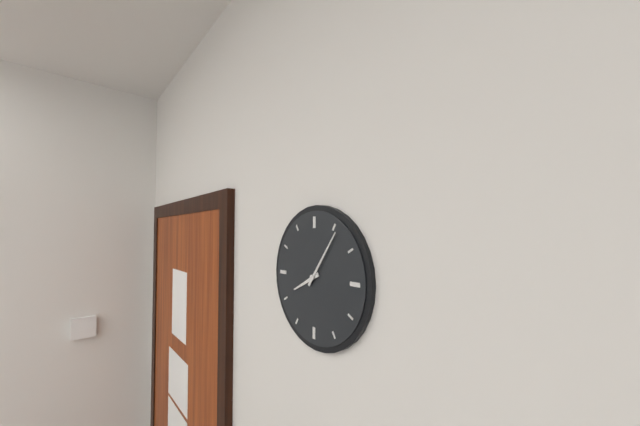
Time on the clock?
8:06
